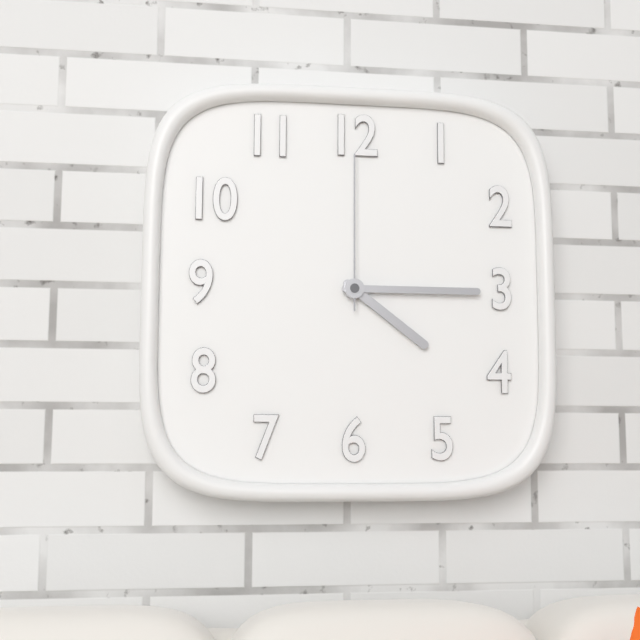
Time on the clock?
4:15:00
